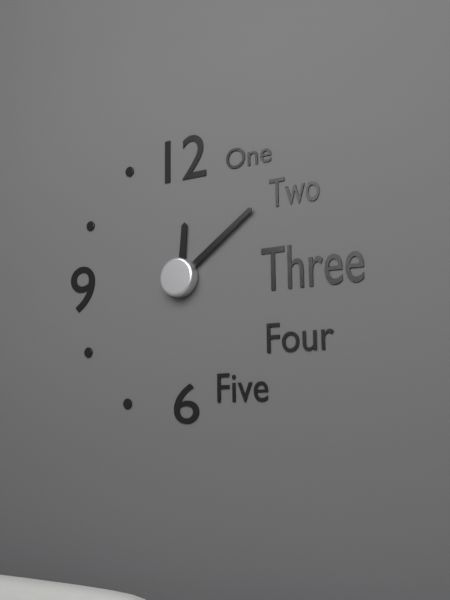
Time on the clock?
12:09
